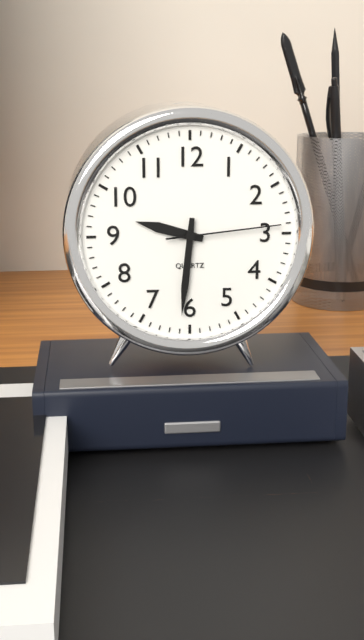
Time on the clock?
9:31:14
